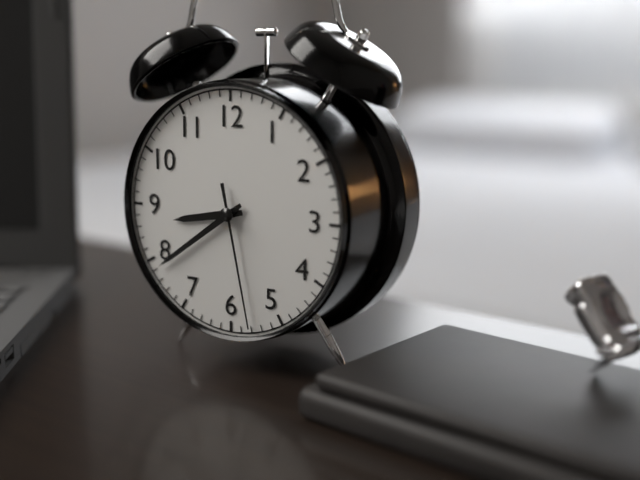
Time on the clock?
8:39:28
